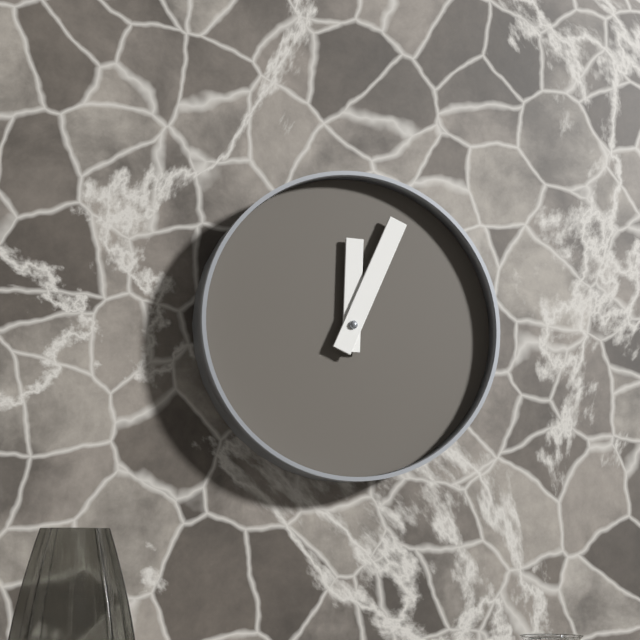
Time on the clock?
12:04
